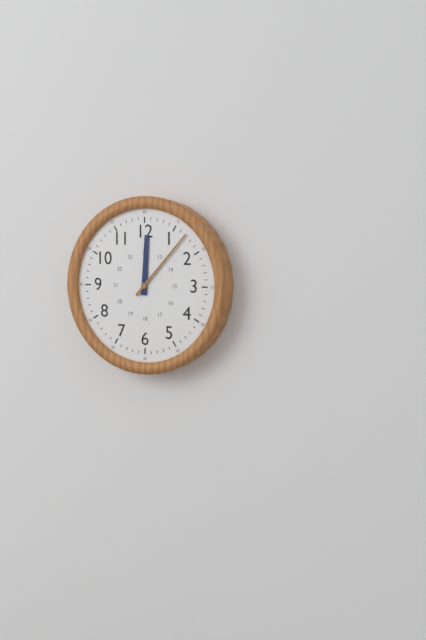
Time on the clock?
12:07
